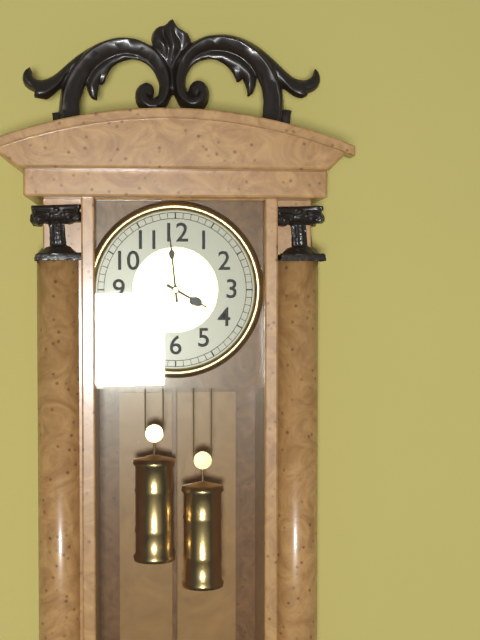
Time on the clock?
3:59
